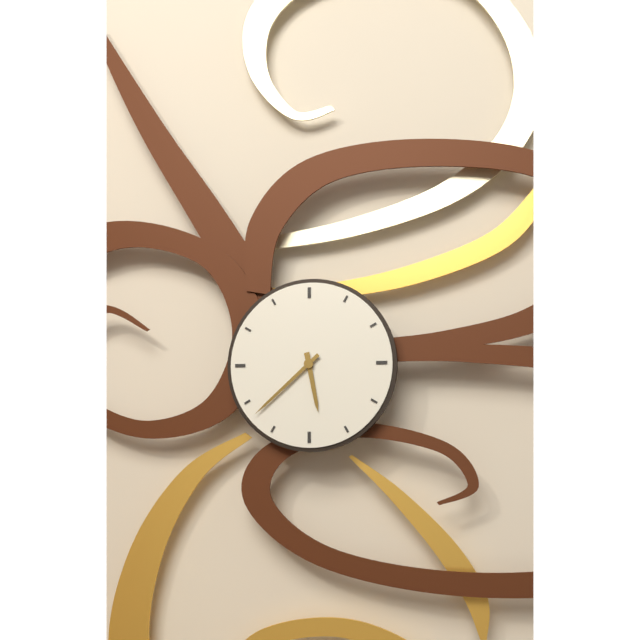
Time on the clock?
5:38
